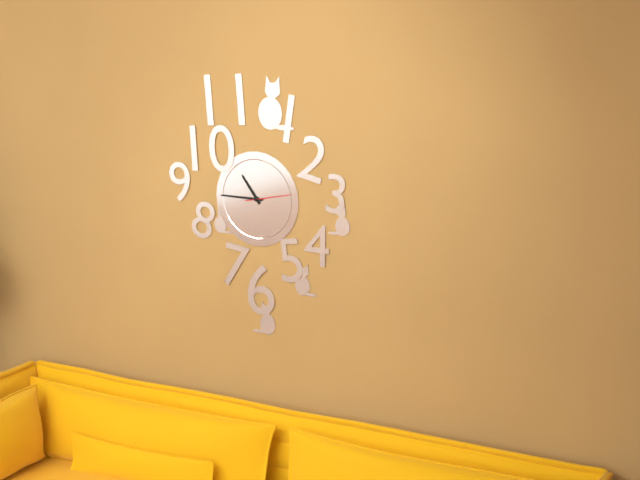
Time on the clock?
10:45
